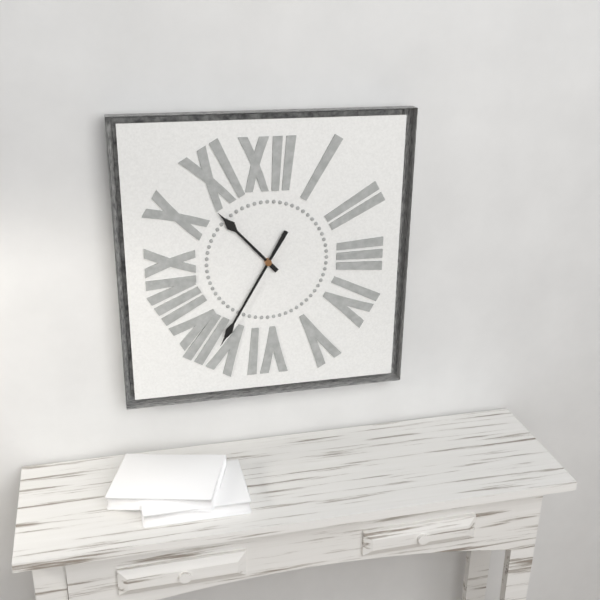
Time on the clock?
10:35
